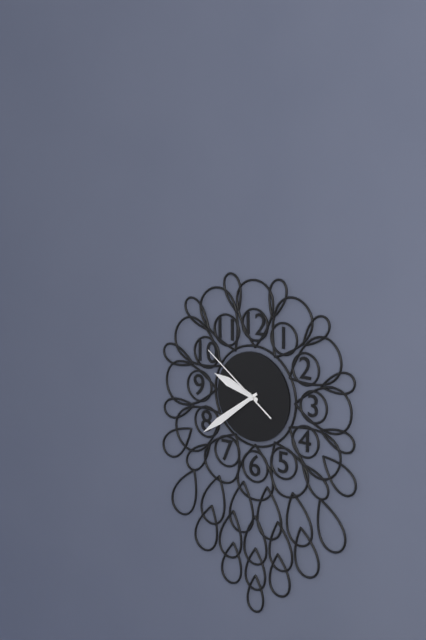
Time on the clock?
9:39:51
